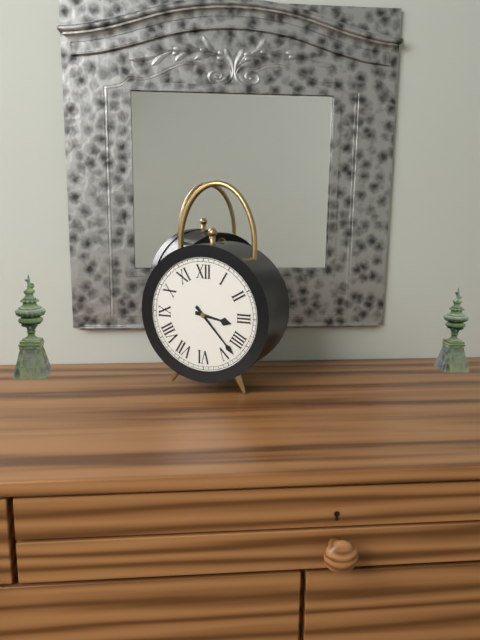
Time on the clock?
3:23
